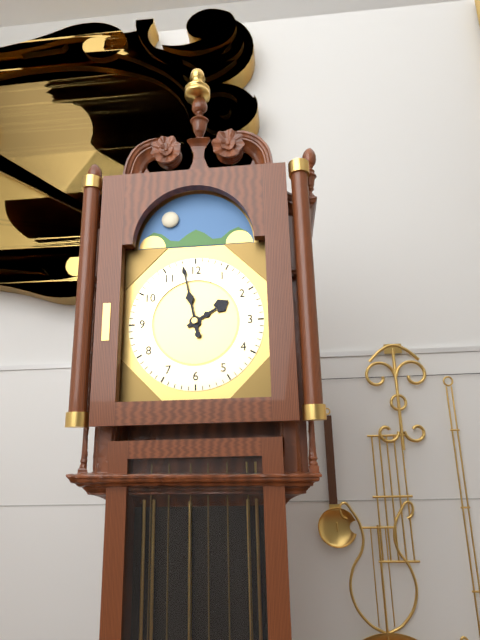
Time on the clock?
1:58
